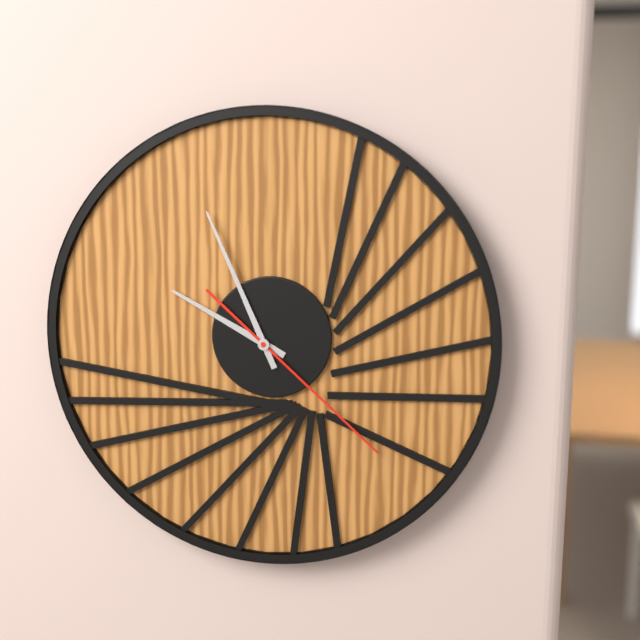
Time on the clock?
9:56:22
